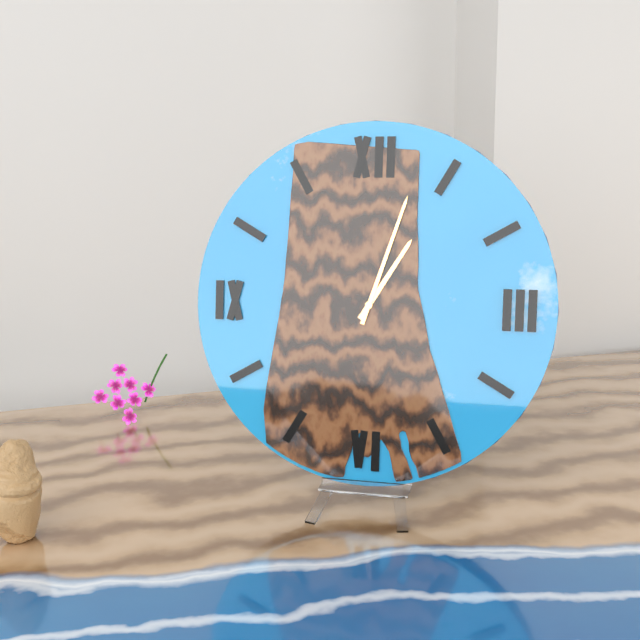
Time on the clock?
1:03
